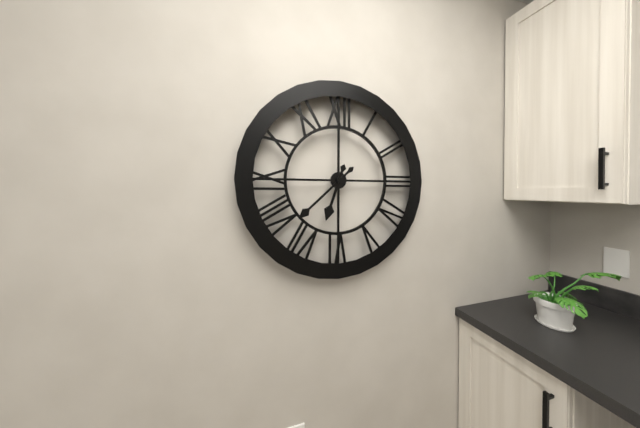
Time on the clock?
6:38
